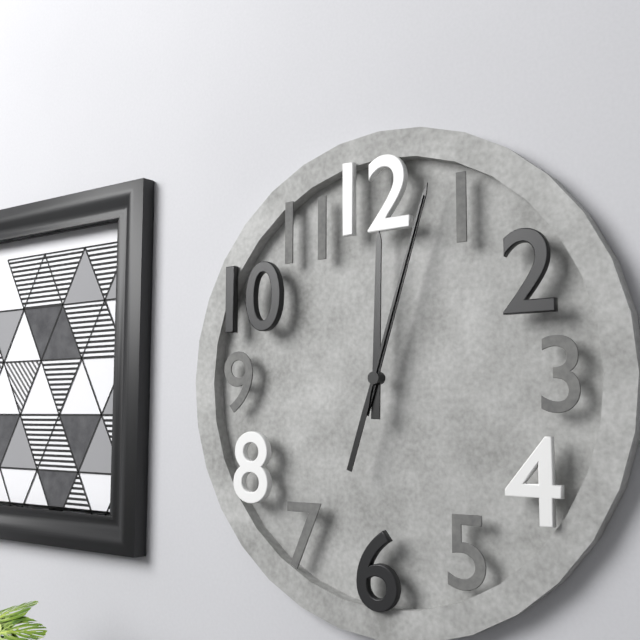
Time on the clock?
12:03:03
